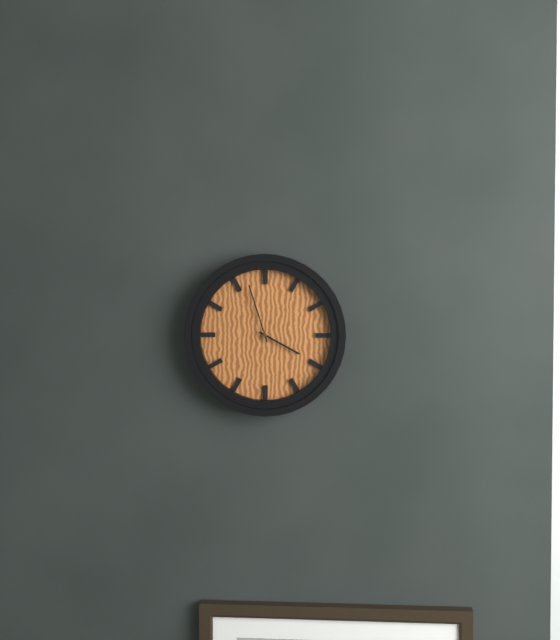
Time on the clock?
3:57
